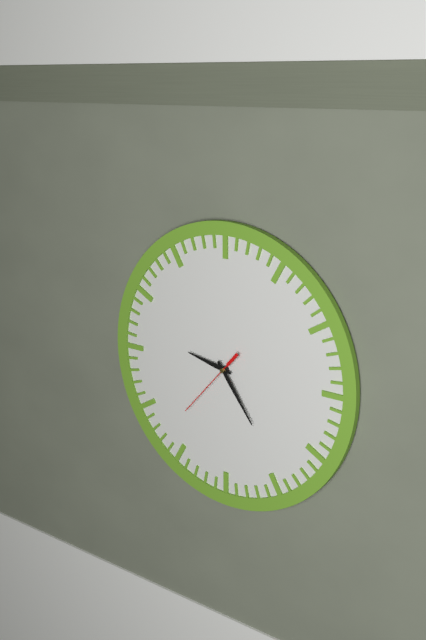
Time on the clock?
9:24:37
